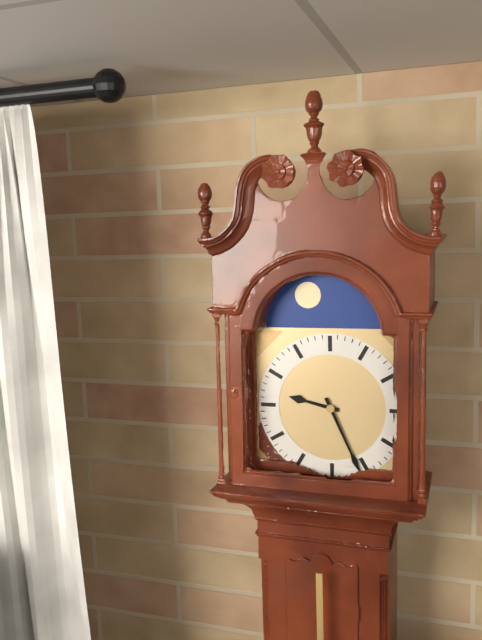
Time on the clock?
9:26
